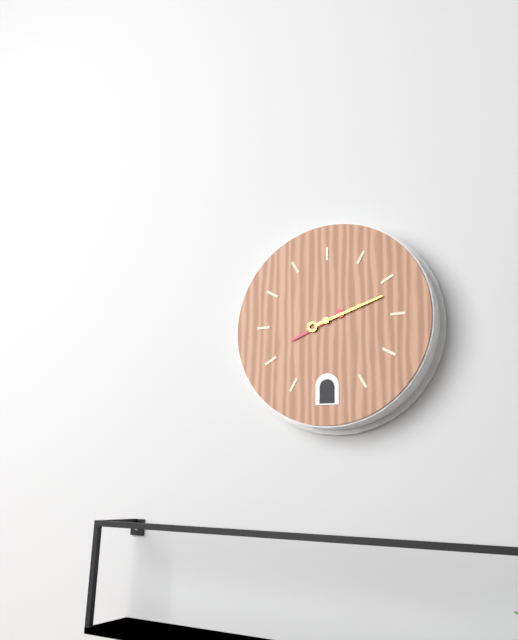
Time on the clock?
8:12
